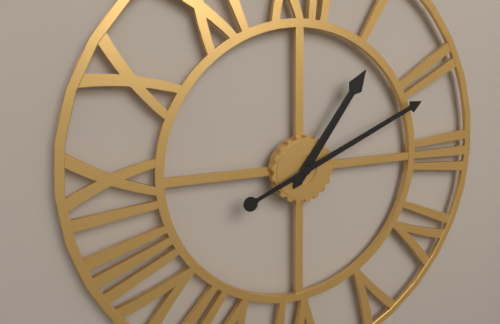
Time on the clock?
1:11
